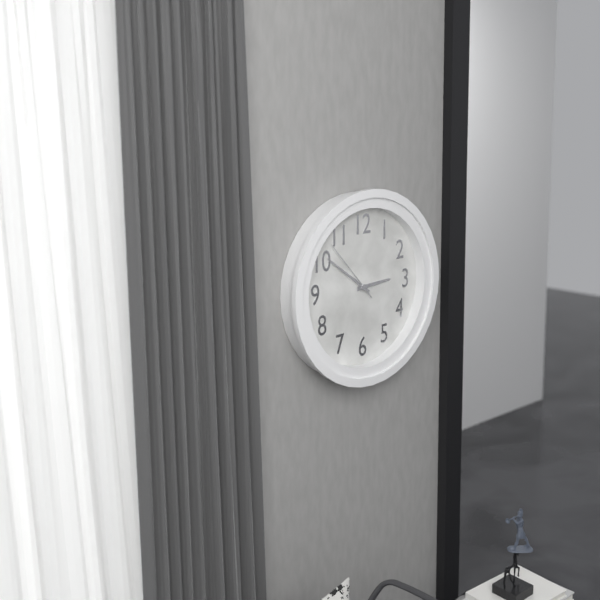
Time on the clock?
2:51:53
